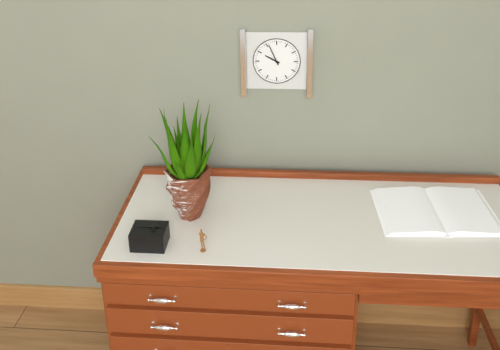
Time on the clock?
9:56
